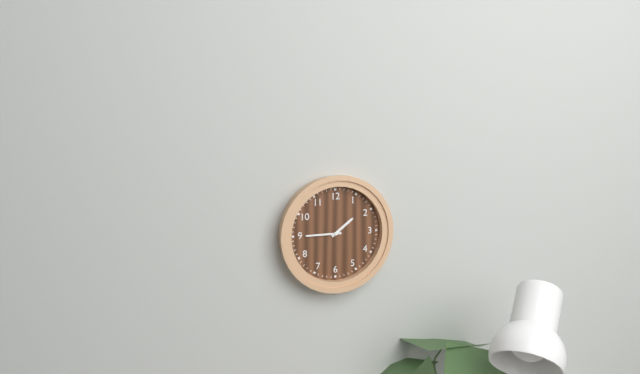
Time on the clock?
1:45
